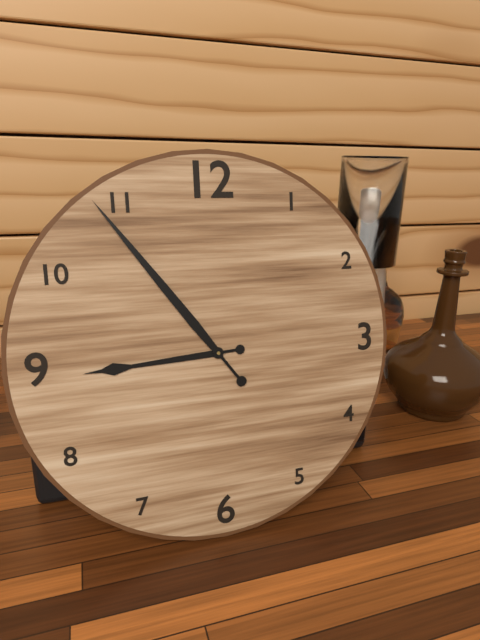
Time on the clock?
8:54
